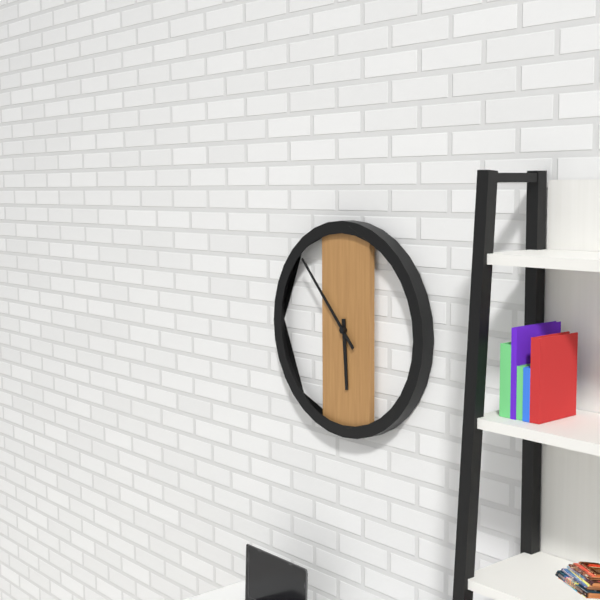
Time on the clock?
5:53
